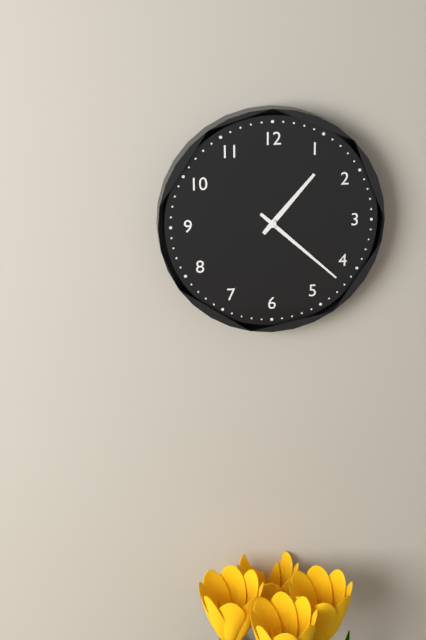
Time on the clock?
1:22
